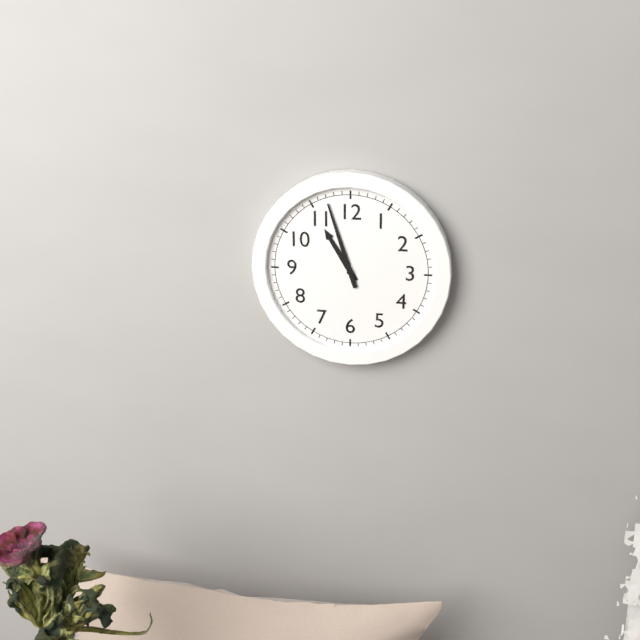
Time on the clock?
10:57
